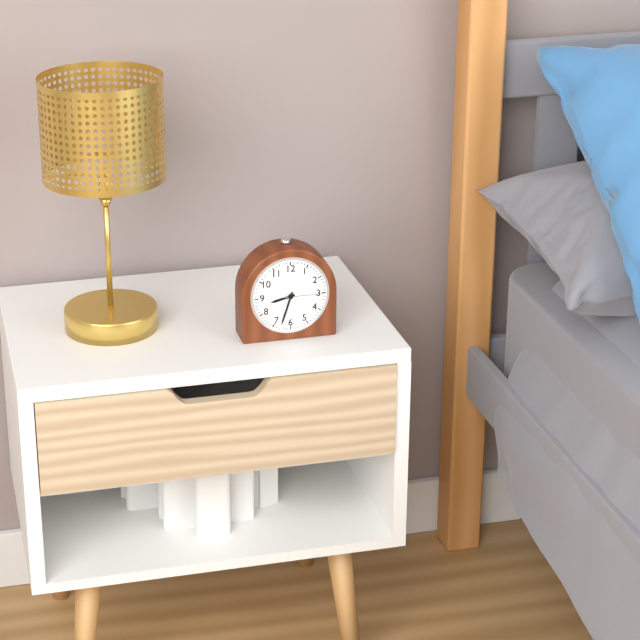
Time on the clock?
8:33
